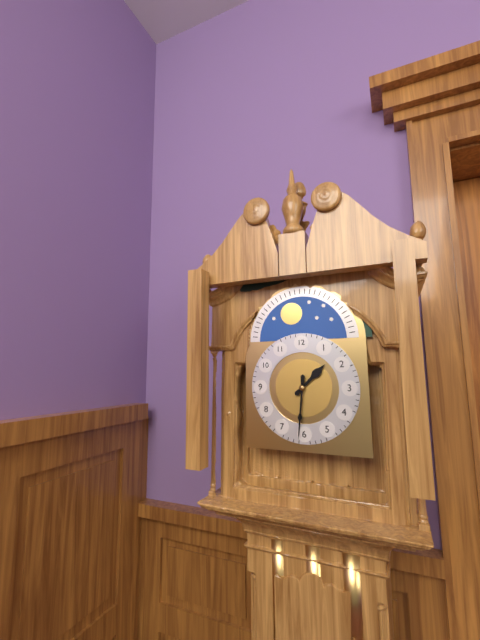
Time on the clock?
1:31
